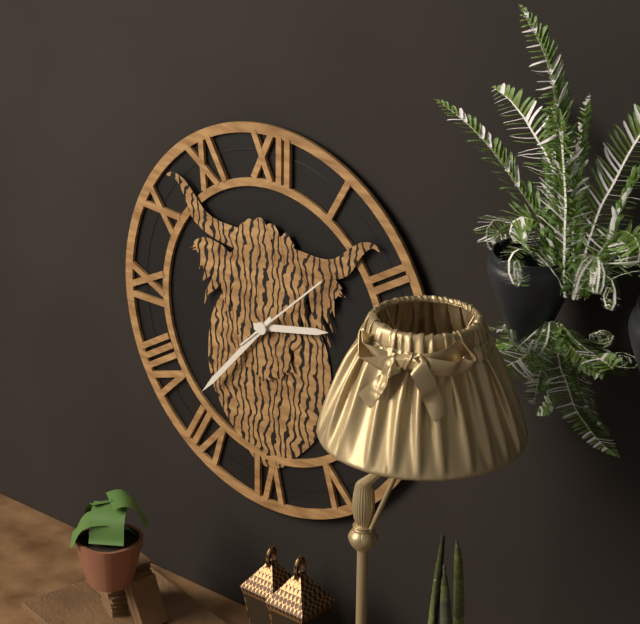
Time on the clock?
2:37:08
